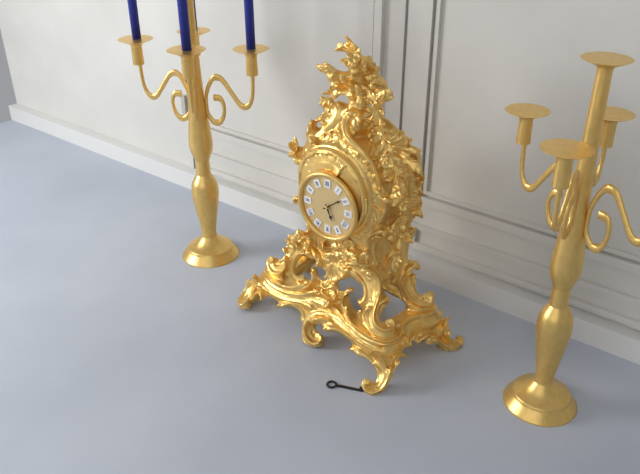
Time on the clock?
5:09
